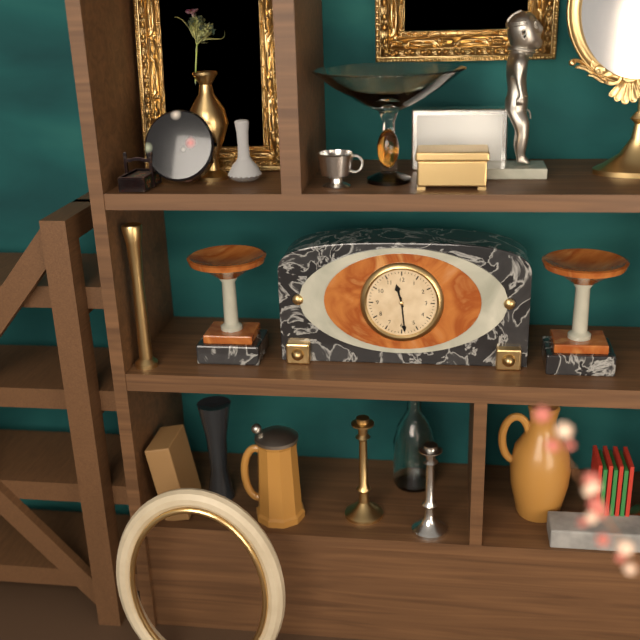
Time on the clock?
11:29
